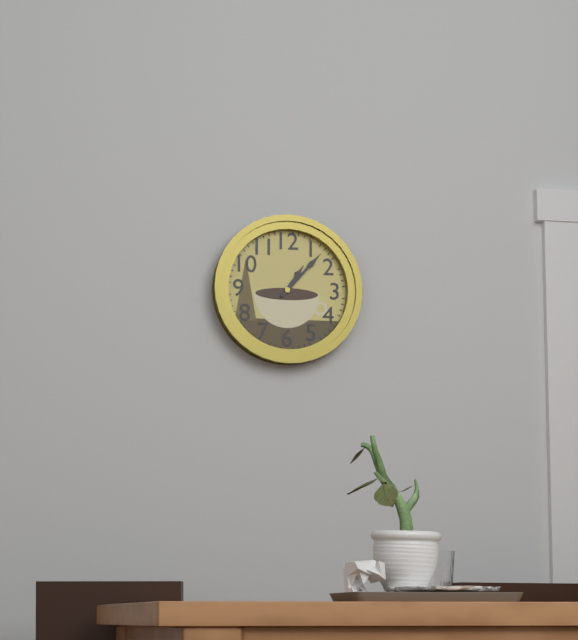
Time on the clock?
1:07
